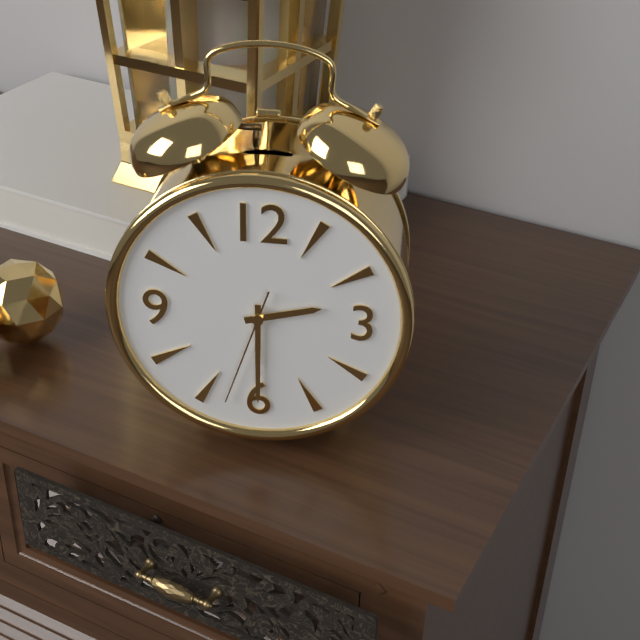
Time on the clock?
2:30:33
